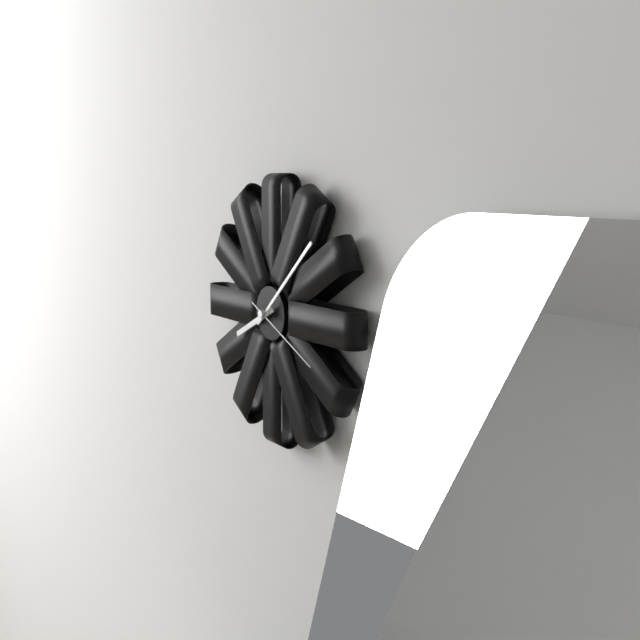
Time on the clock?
8:08:19
